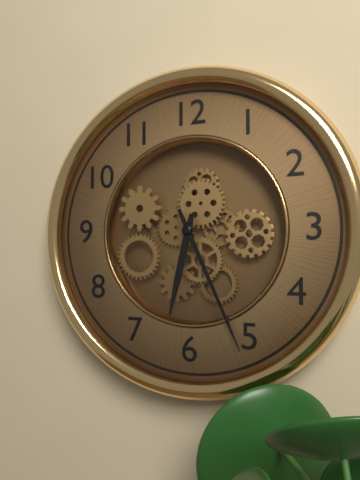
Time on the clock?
6:26
